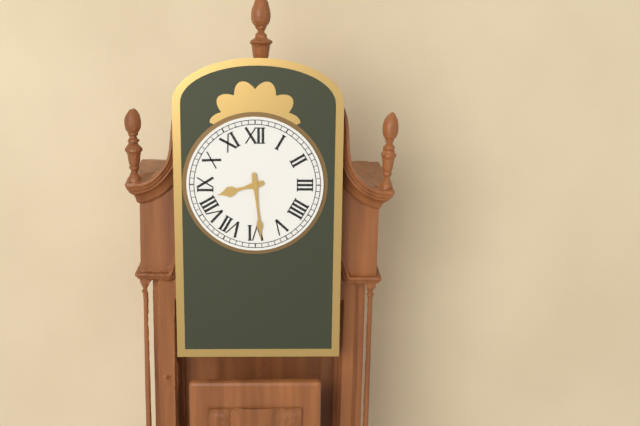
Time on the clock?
8:29
